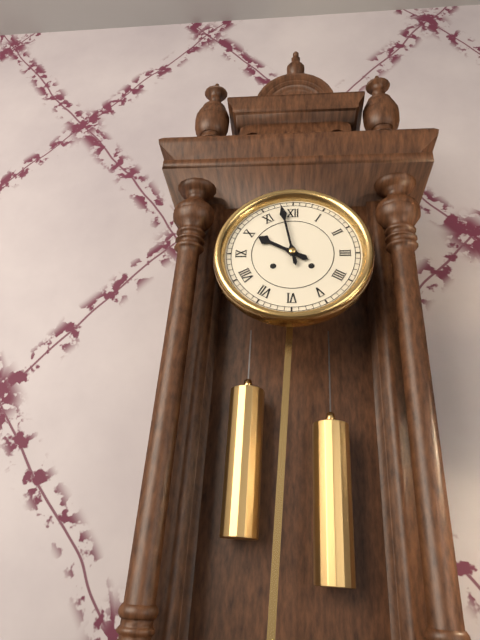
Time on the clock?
9:58
